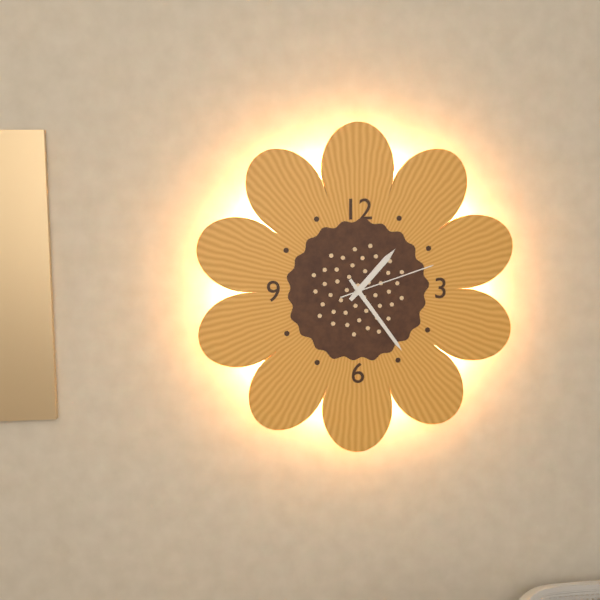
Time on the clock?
1:24:12
